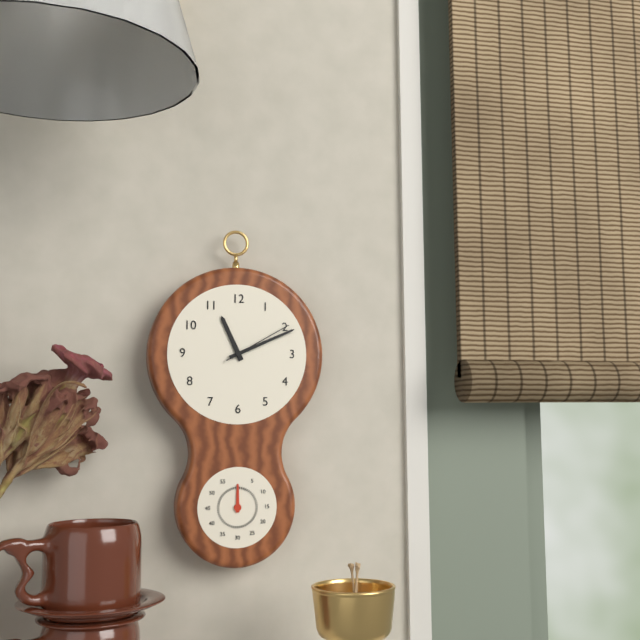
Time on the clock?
11:11:10
